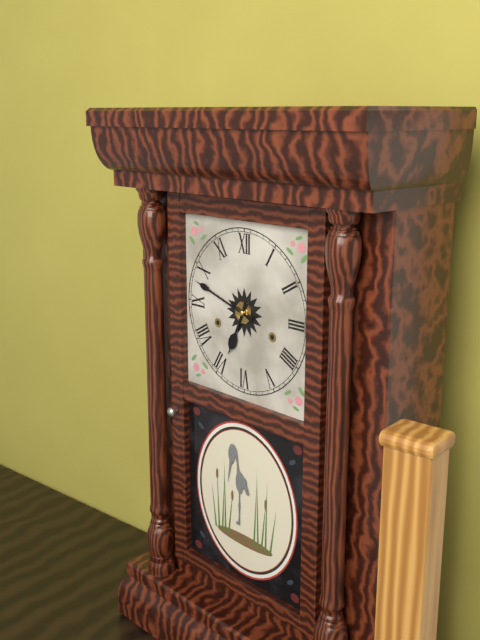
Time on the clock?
6:48
